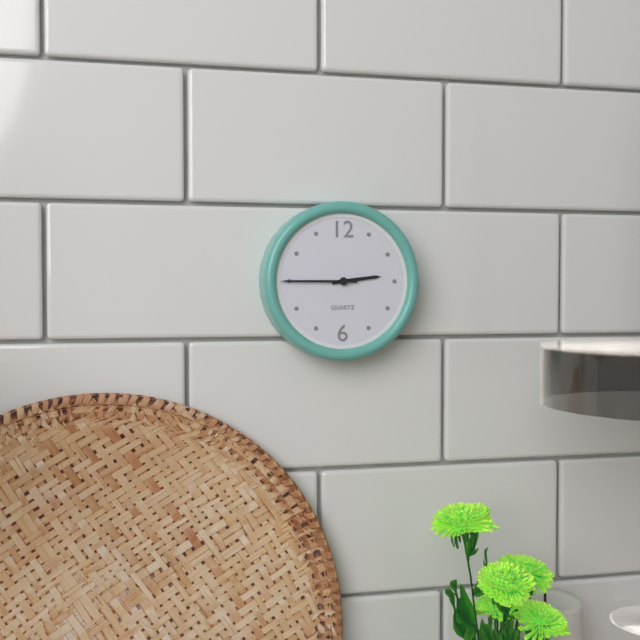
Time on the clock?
2:45
